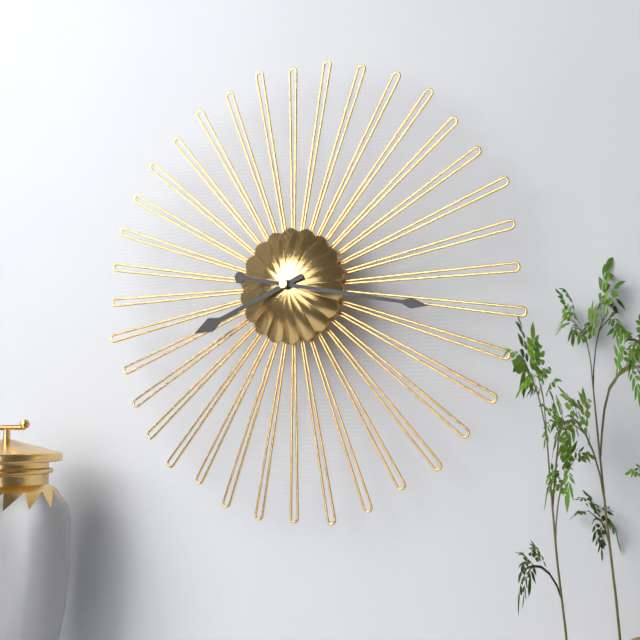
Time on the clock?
8:17
